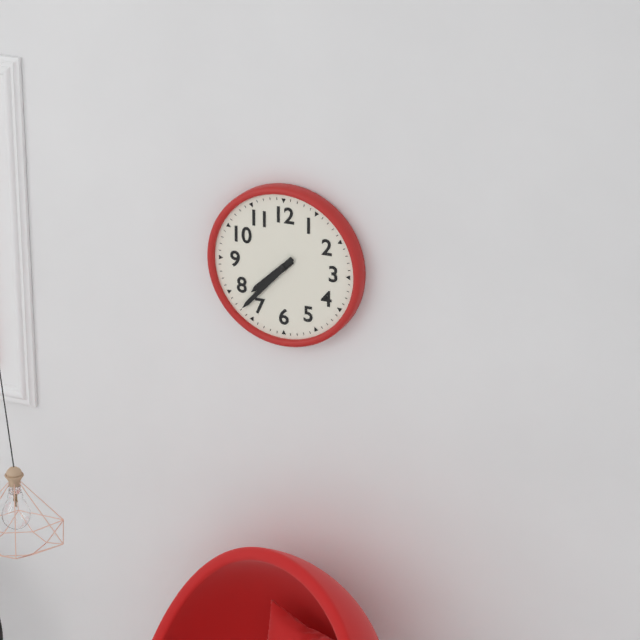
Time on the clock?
7:37
